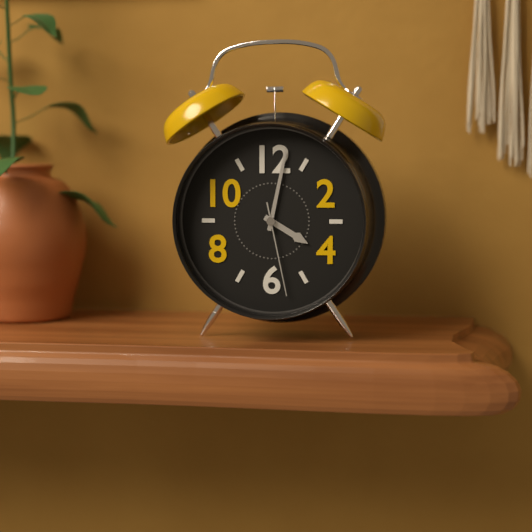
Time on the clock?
4:02:28
